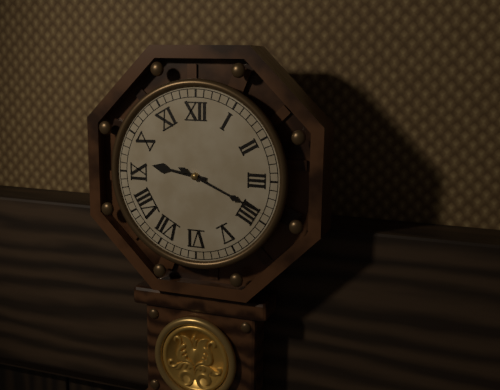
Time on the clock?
9:19
